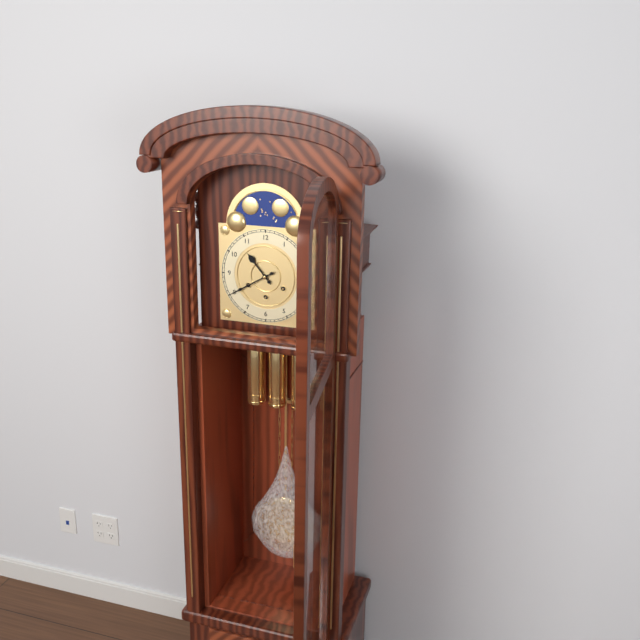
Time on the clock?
10:40
